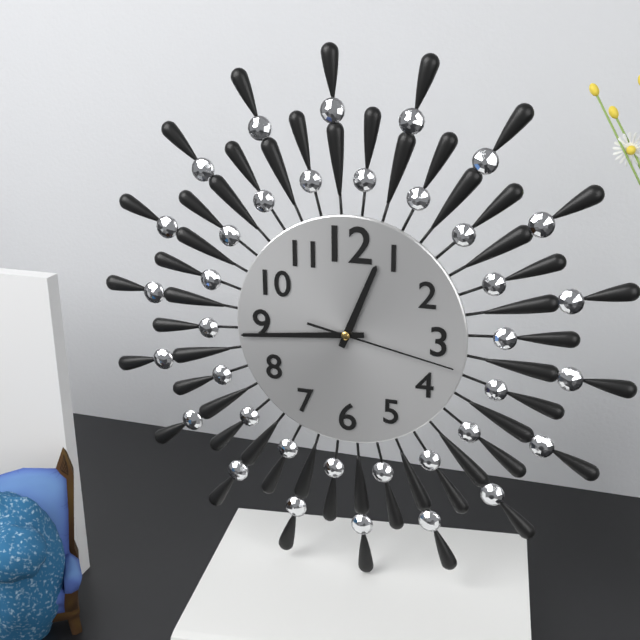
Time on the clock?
12:44:17
